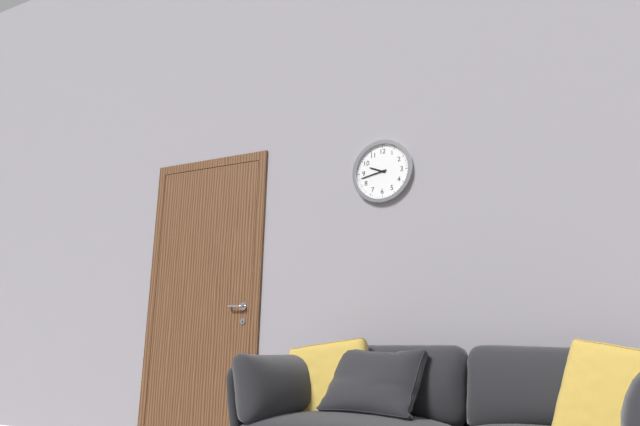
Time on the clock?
9:43
